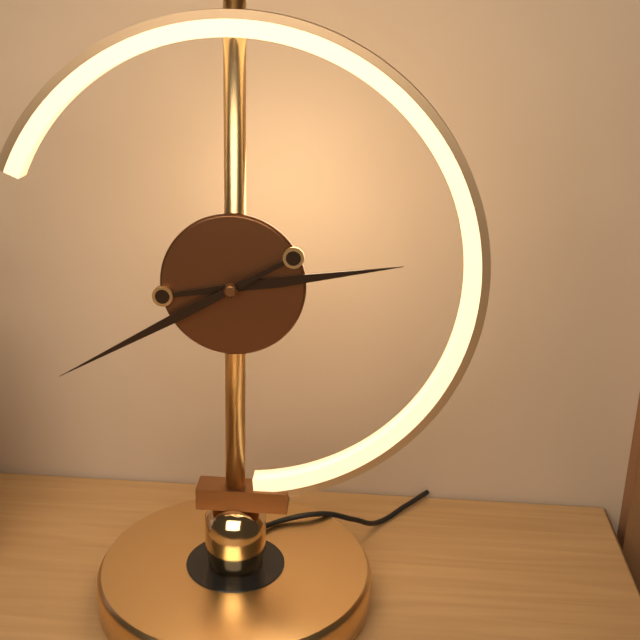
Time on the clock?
2:40
